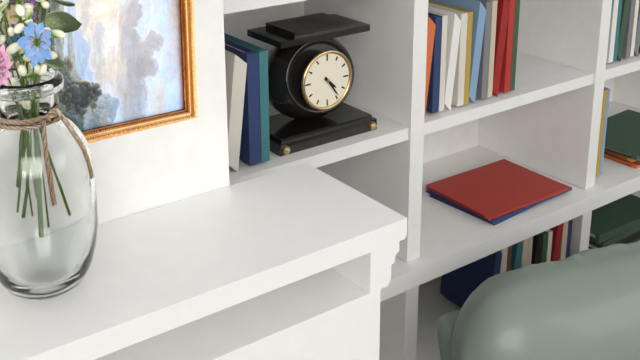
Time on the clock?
4:24
